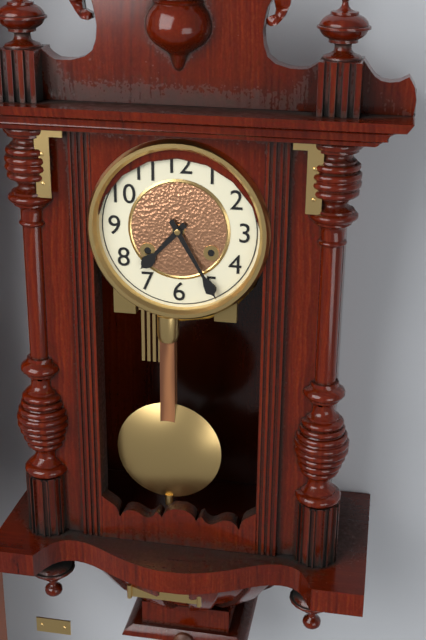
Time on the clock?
7:25
